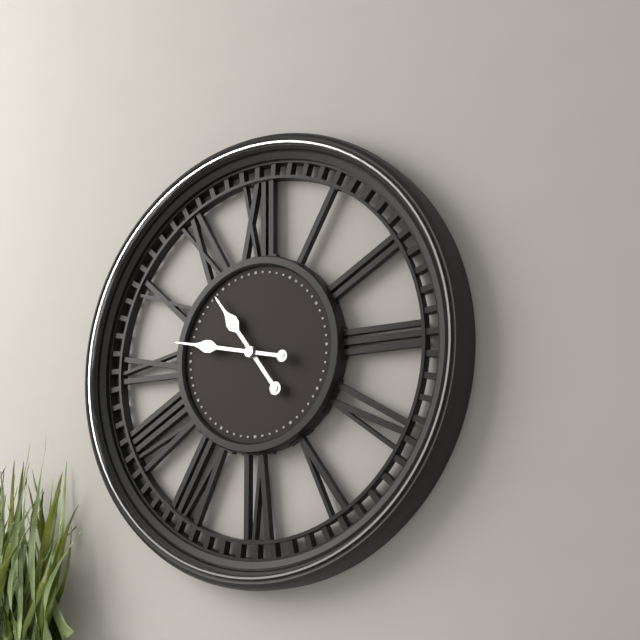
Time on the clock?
10:47
